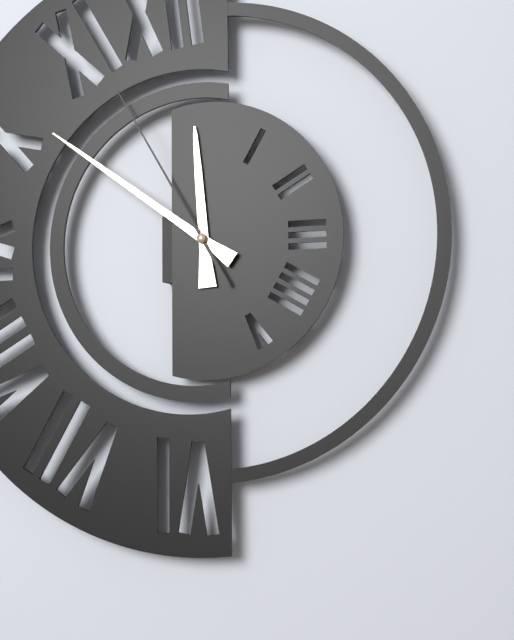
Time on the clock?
11:51:55
